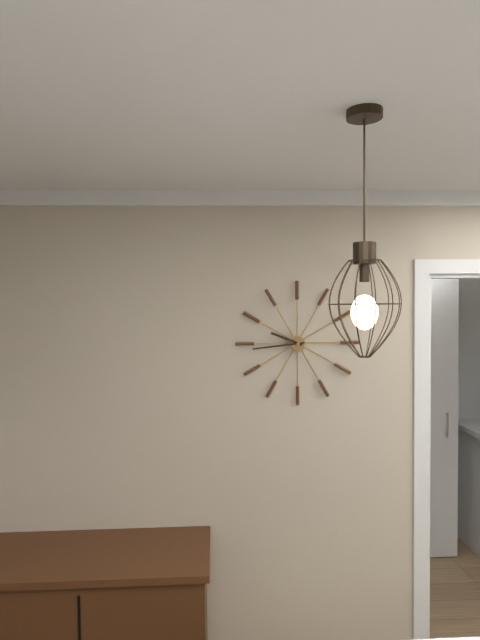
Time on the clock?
9:44
